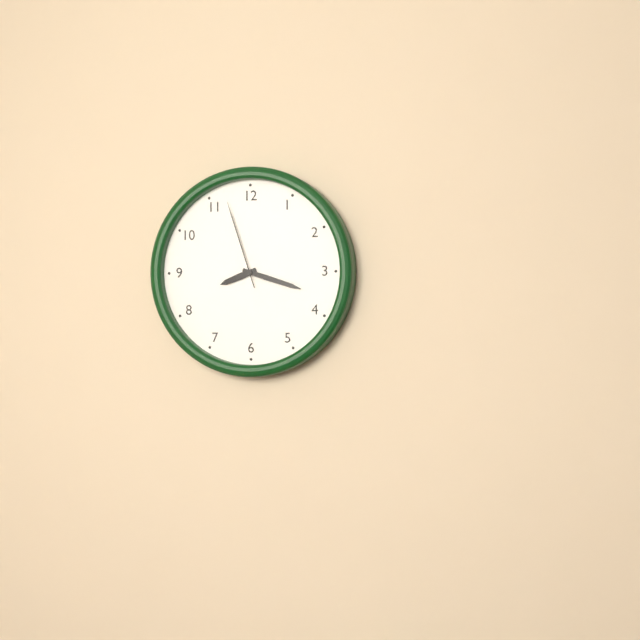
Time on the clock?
8:18:57
